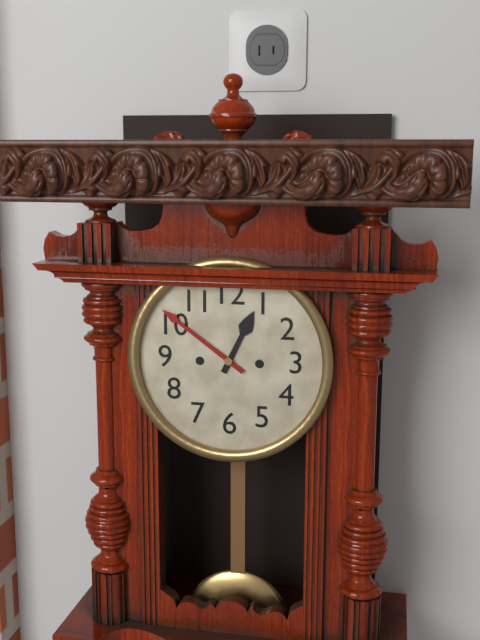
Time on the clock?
12:51
